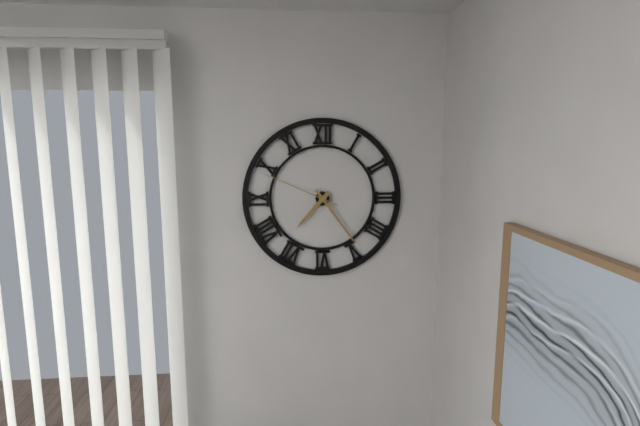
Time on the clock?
7:24:49
